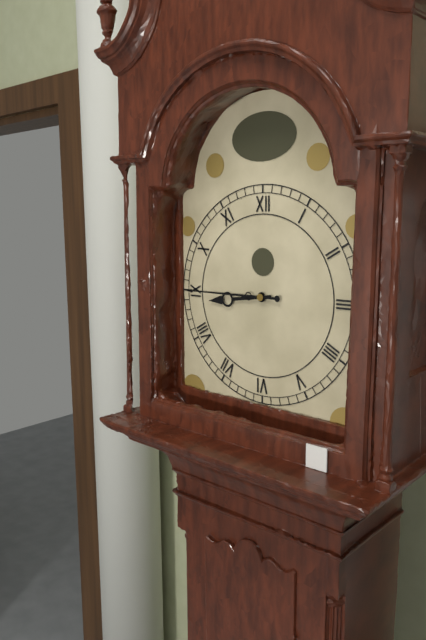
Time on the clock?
8:45
